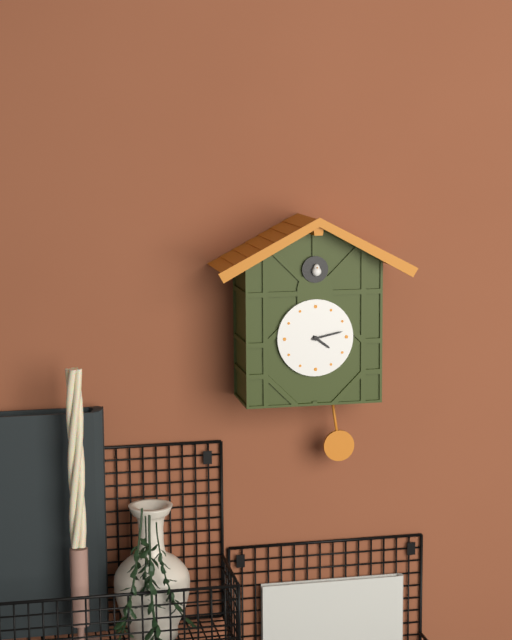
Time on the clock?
4:13
